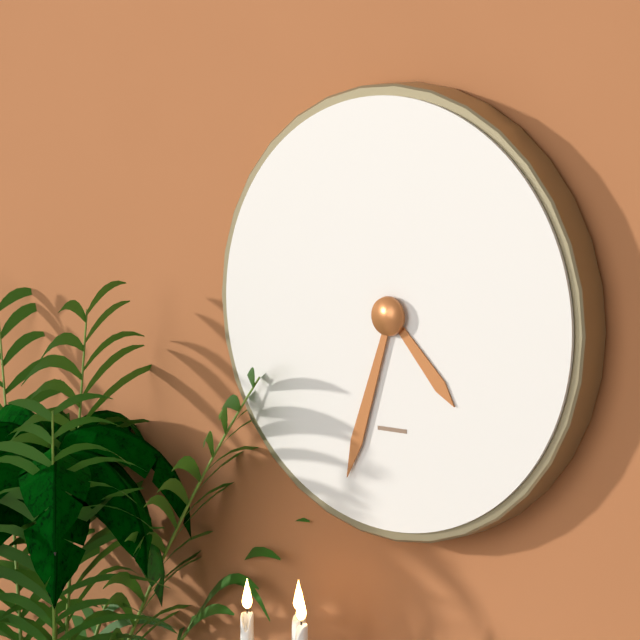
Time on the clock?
4:33
